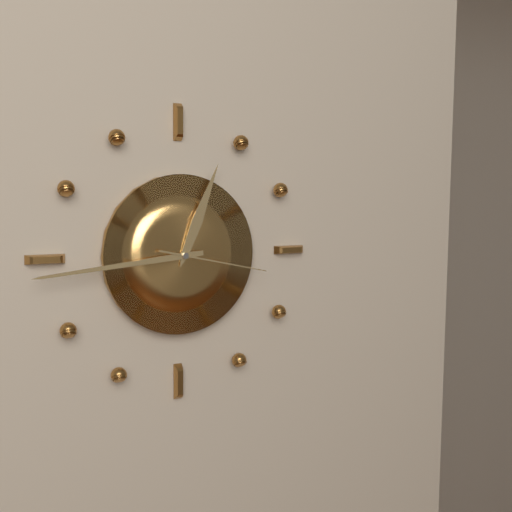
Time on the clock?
12:44:17
